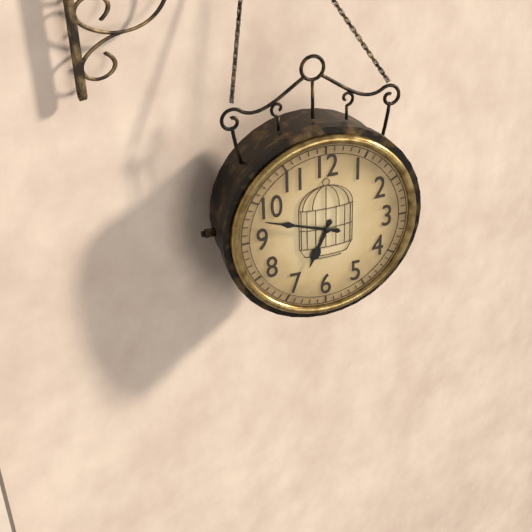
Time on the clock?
6:48
